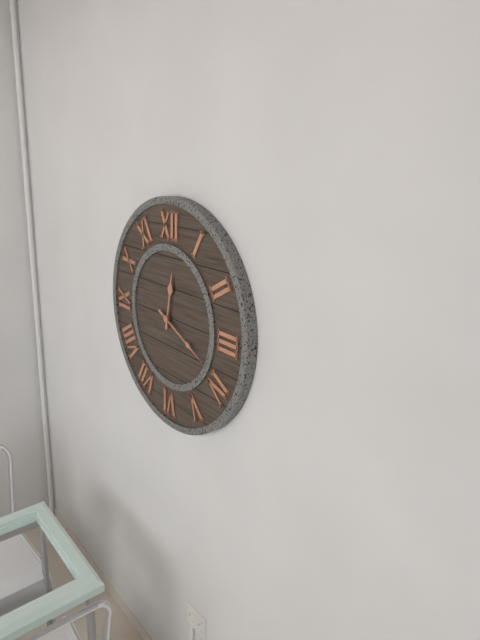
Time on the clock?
12:19
